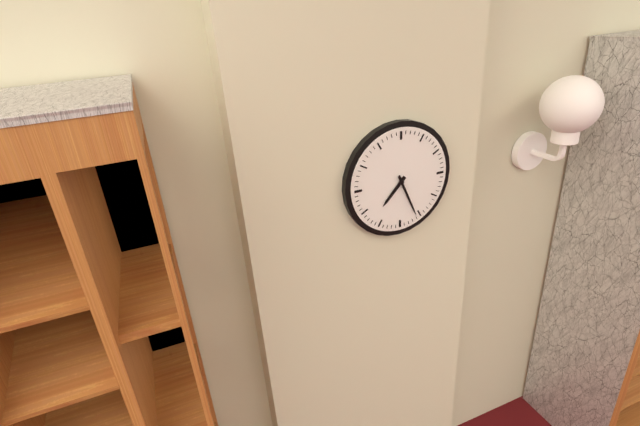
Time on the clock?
7:26
